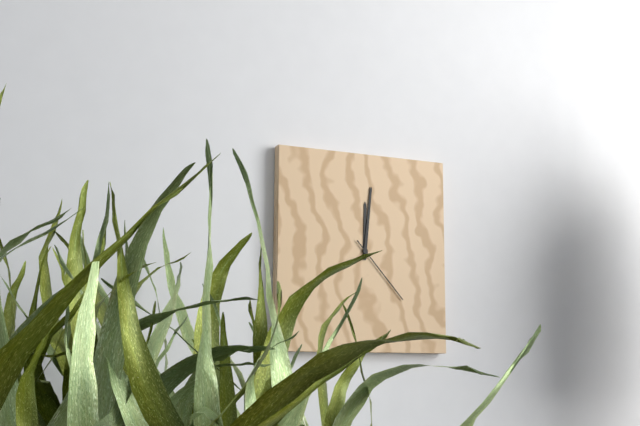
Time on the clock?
12:01:23
